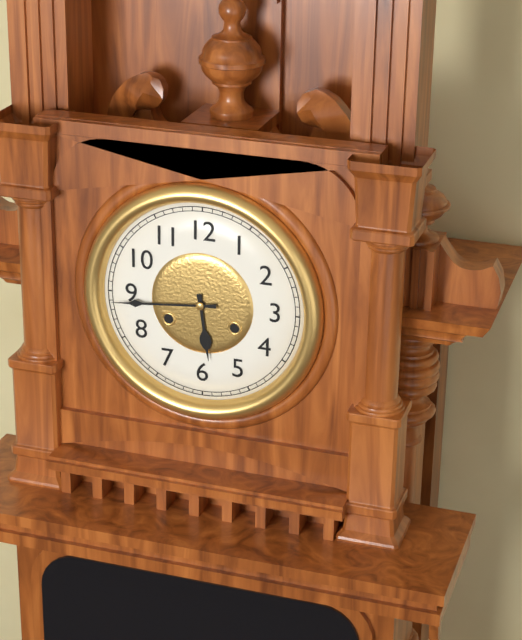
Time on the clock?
5:44
